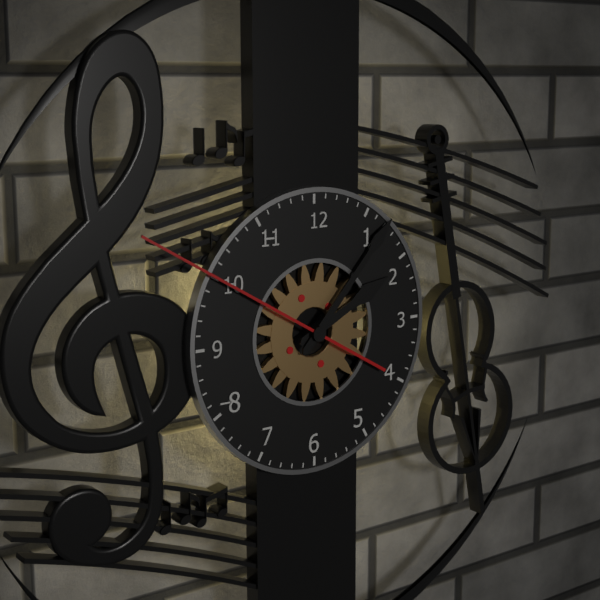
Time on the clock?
2:07:50
